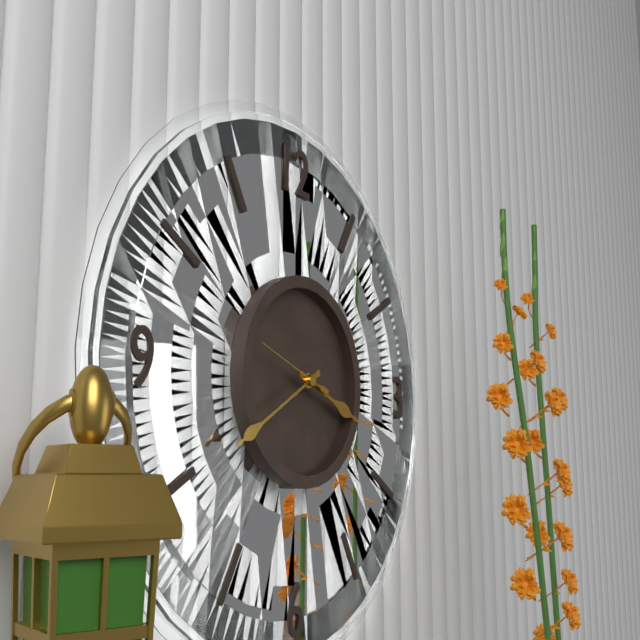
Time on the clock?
3:40:48
